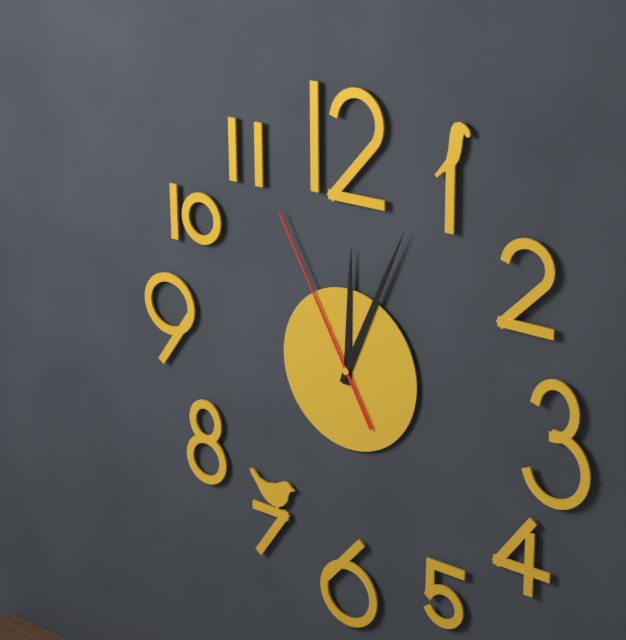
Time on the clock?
12:04:55
